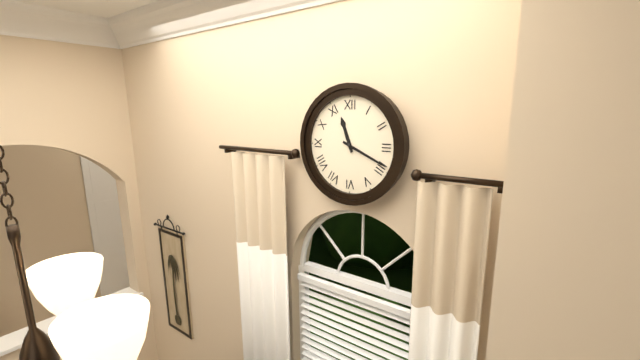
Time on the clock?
11:19
